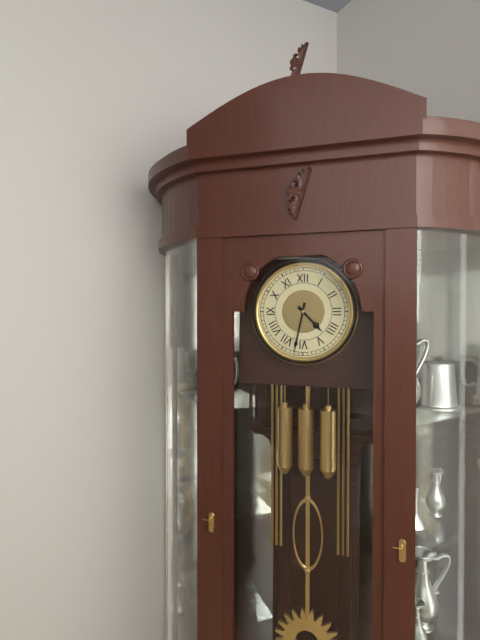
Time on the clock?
4:32
